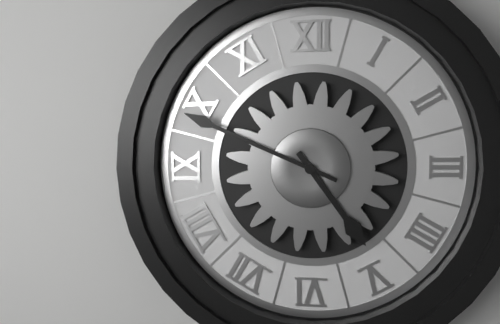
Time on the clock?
4:49
